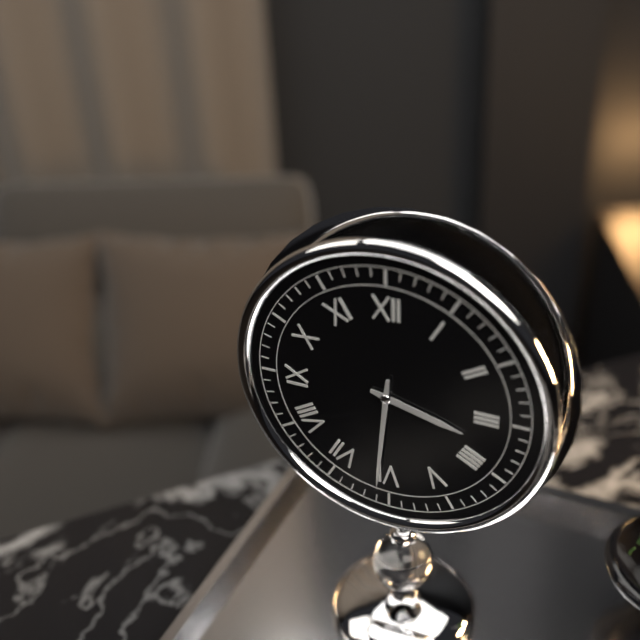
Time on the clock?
3:31
